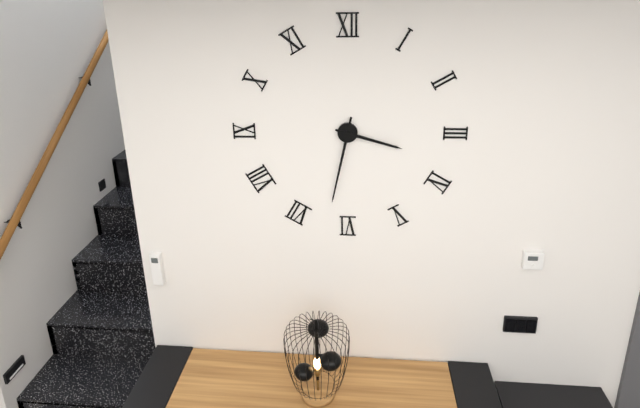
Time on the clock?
3:32
